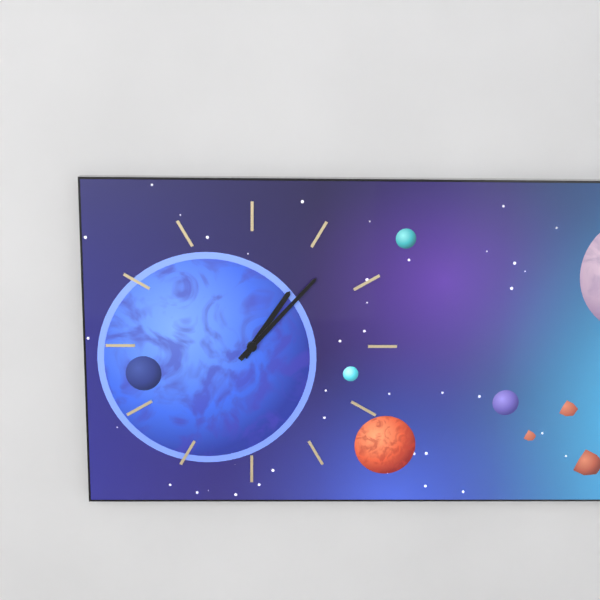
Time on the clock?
1:07
